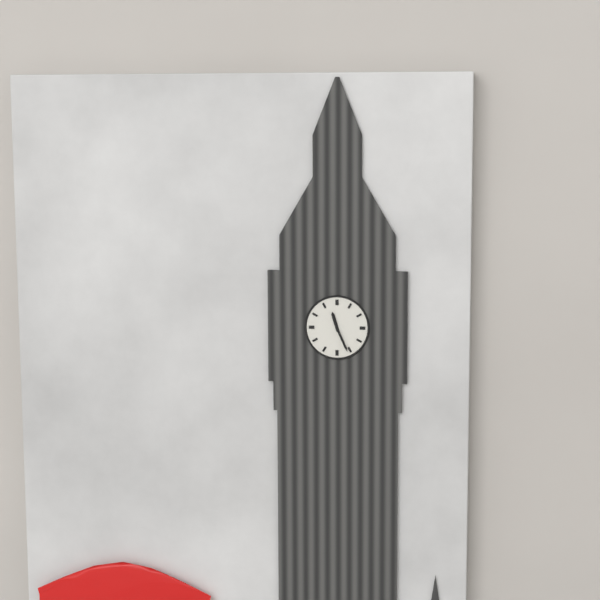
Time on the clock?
11:26
